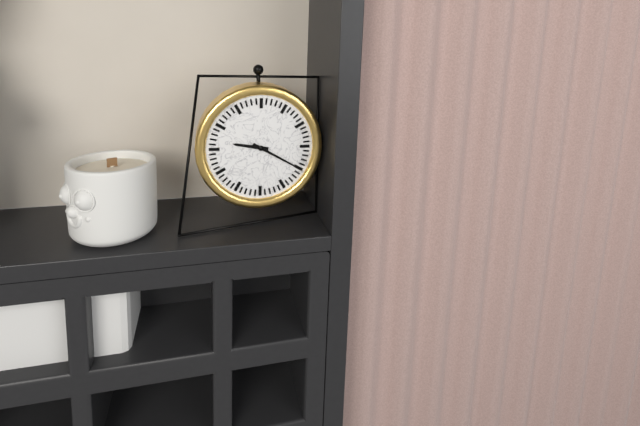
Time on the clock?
9:20
